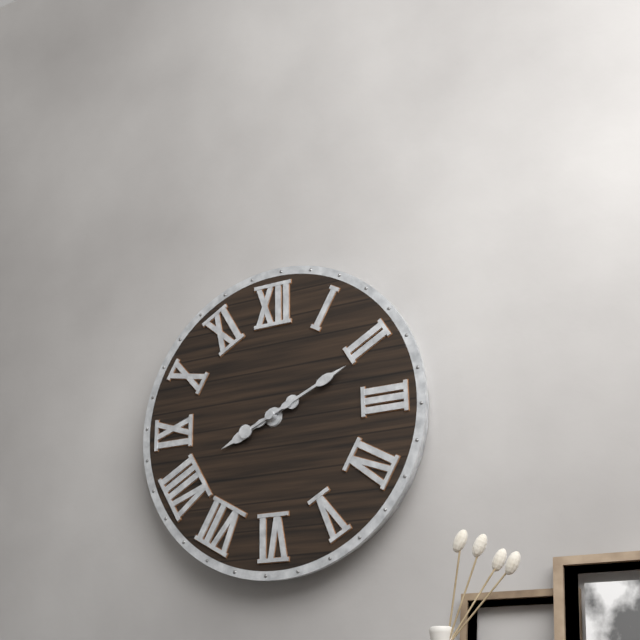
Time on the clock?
8:11
